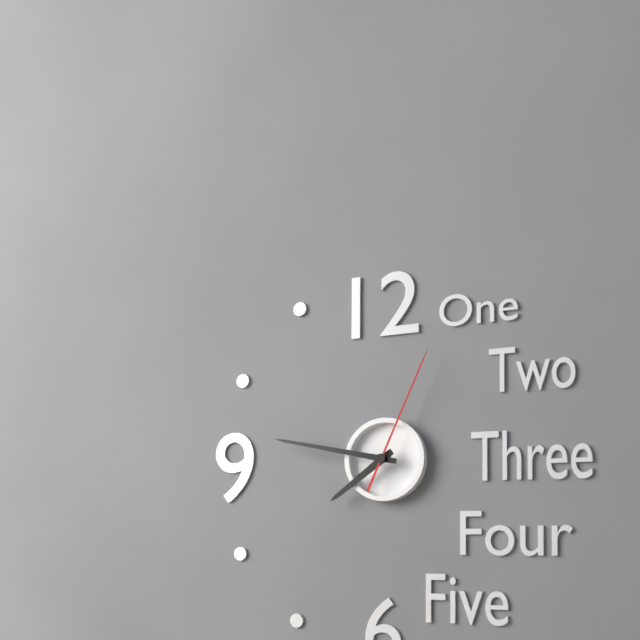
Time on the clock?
7:47:04
